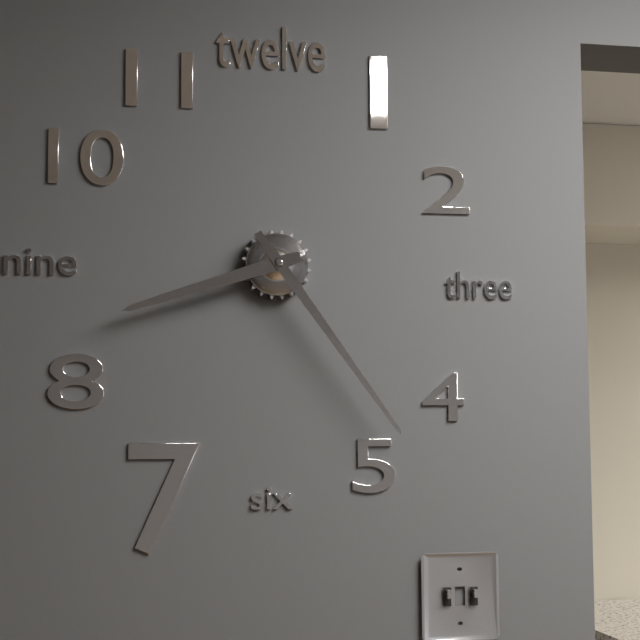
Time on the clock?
8:24
